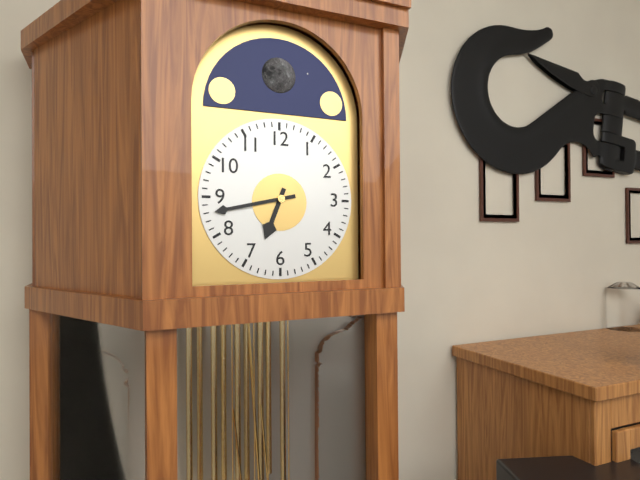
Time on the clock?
6:43
